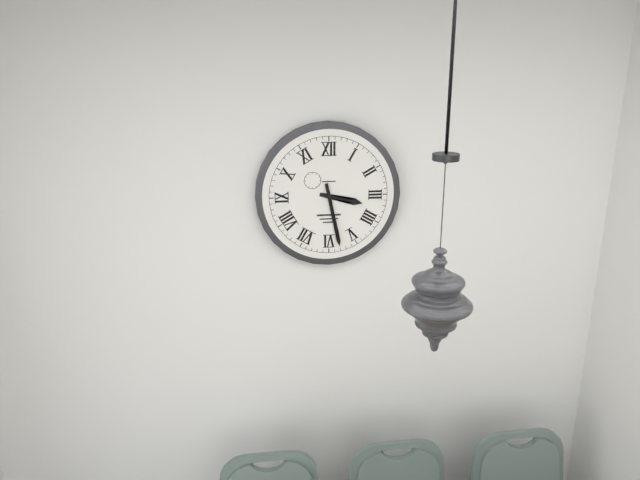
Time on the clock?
3:28
